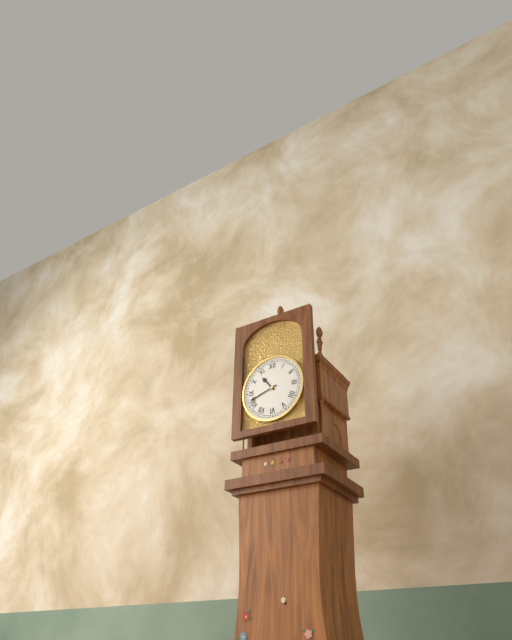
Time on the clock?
10:42
